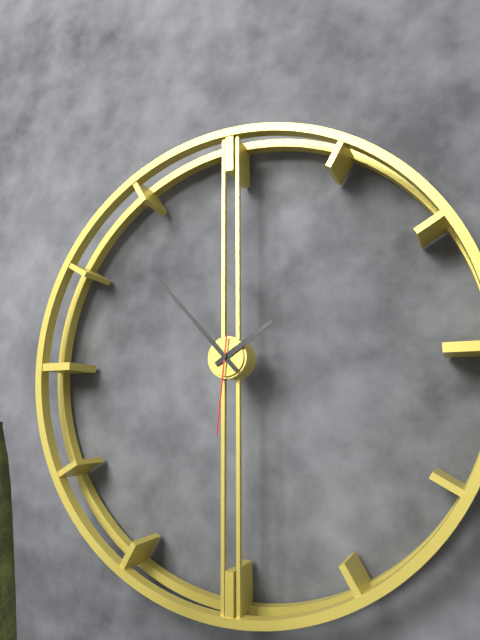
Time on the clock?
1:53:31
